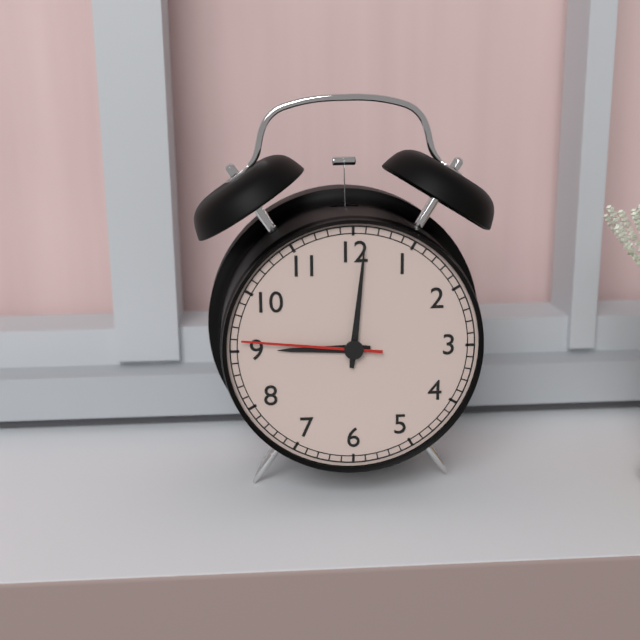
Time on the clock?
9:01:46
